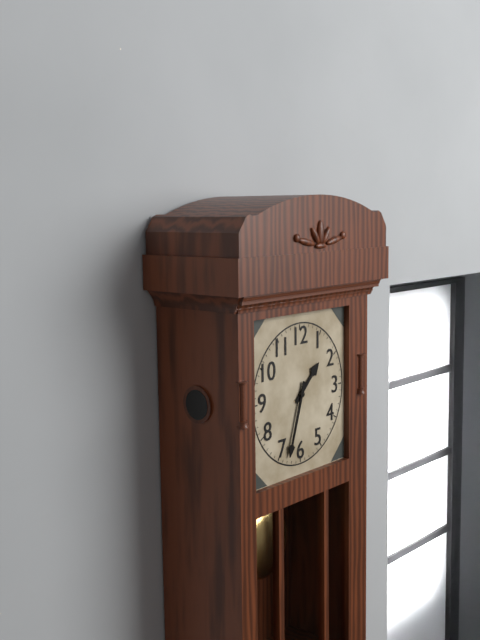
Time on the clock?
1:33
